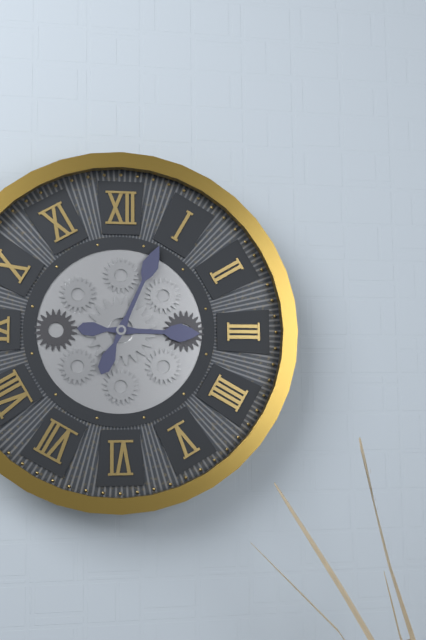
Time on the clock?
3:04
